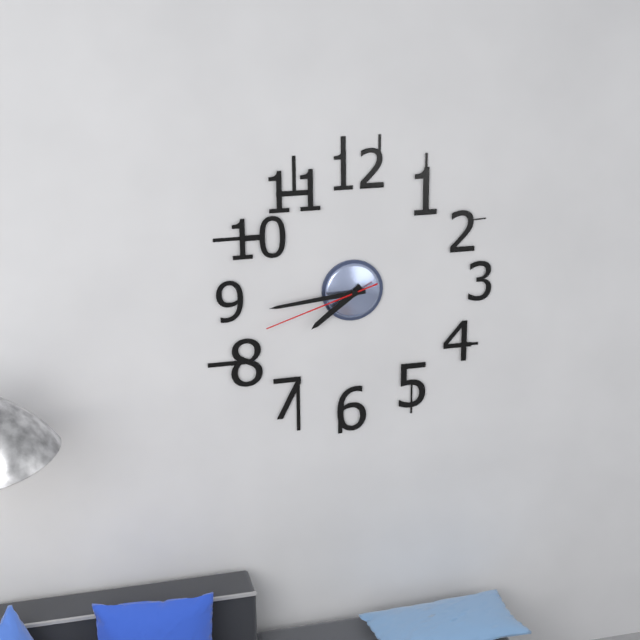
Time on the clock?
7:44:42
